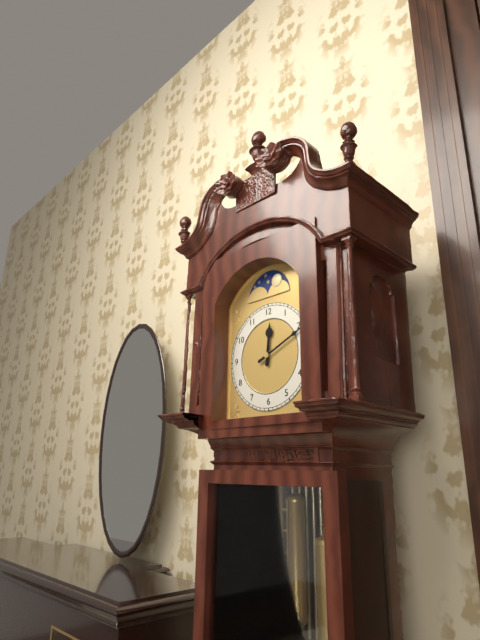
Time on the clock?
12:11
